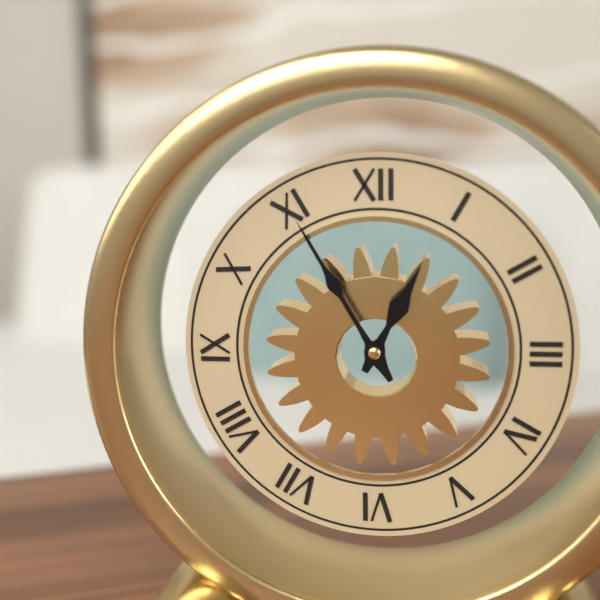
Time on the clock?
12:55
